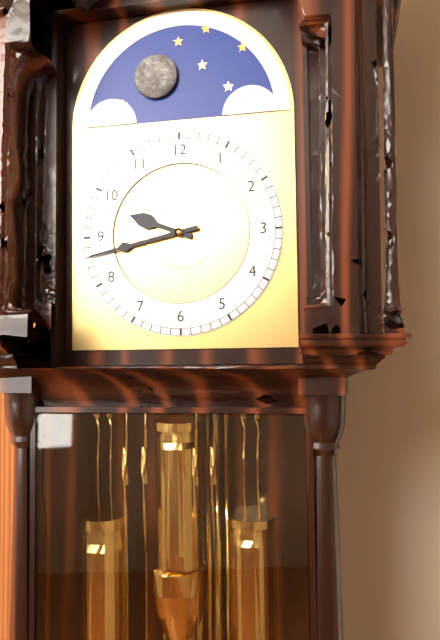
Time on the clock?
9:43
